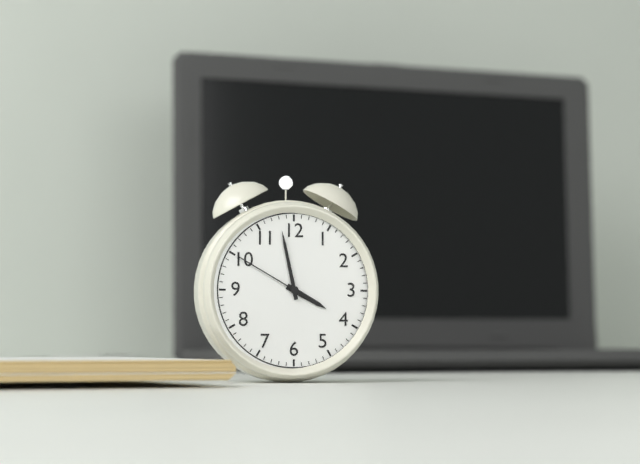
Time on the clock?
3:58:50
